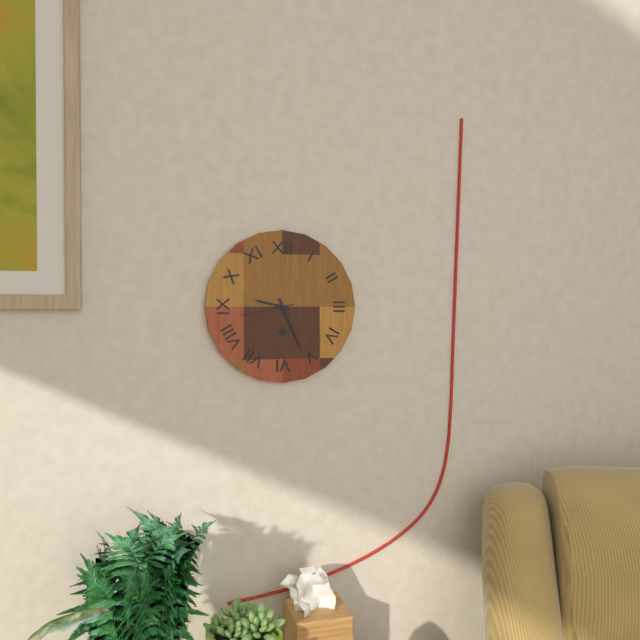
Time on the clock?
9:26:43
